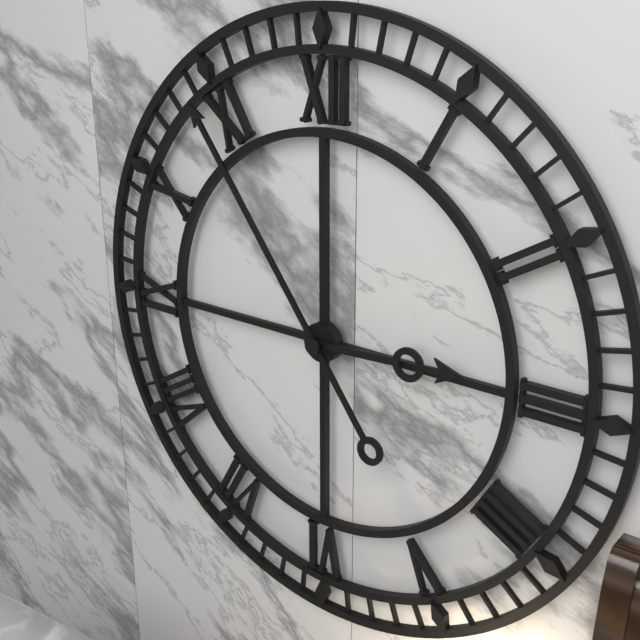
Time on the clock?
2:54
